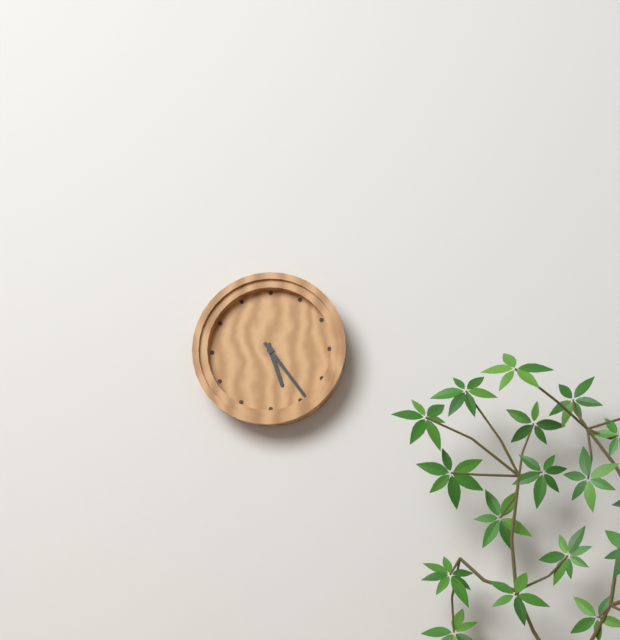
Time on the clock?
5:24
